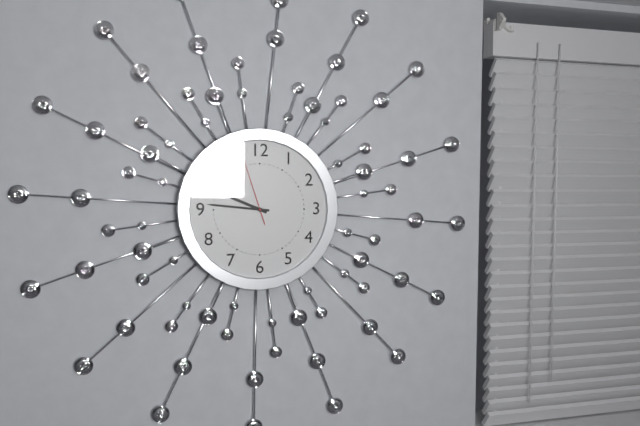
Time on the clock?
9:46:57
